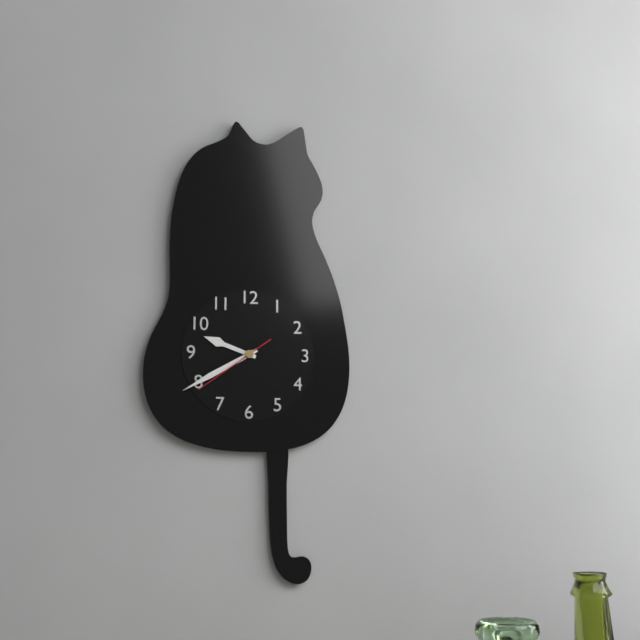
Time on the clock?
9:40:39
